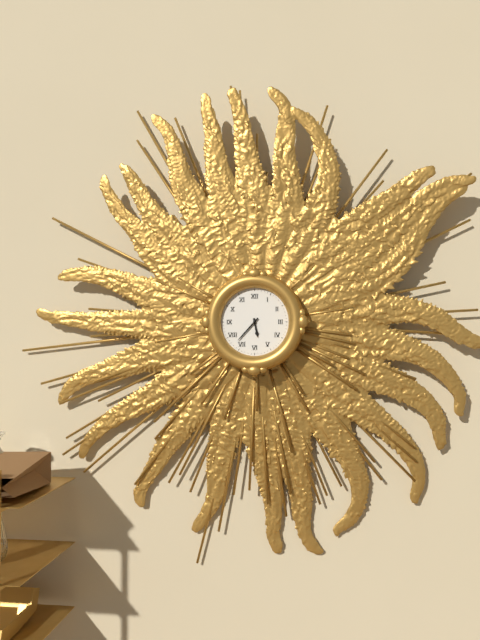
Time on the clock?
5:37
